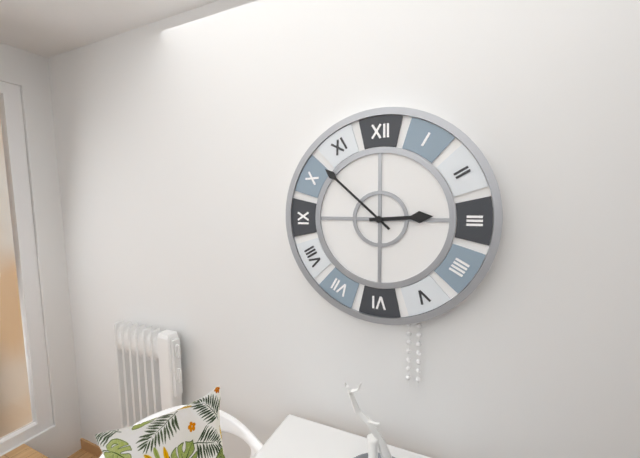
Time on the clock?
2:52
